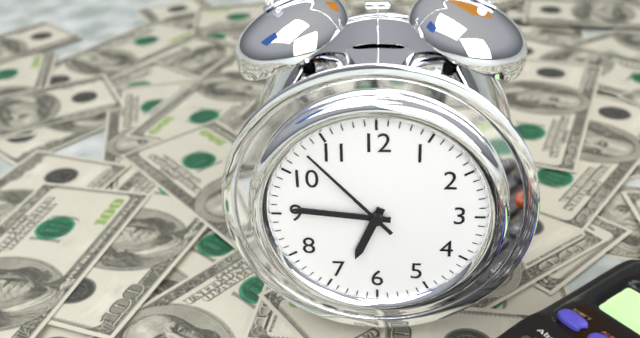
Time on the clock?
6:46:53
